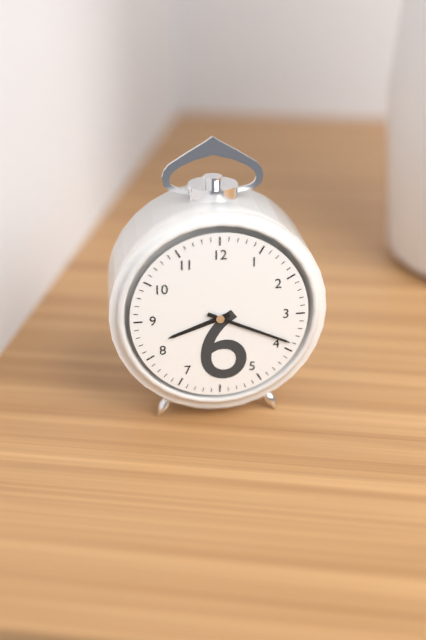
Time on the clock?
8:19
